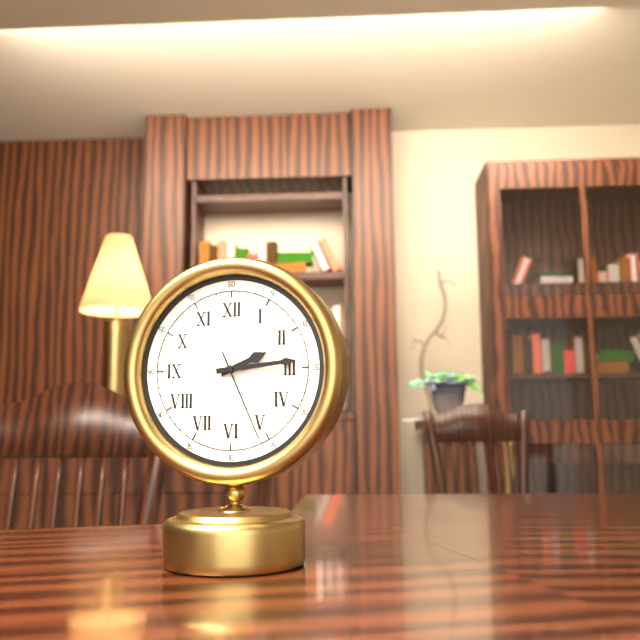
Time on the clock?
2:14:26
